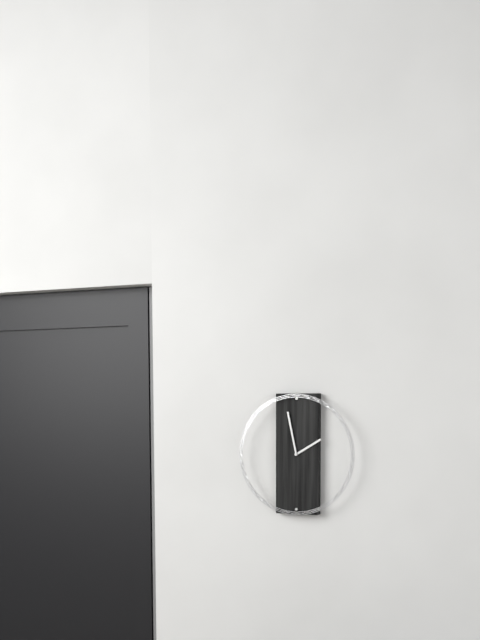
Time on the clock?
1:58
